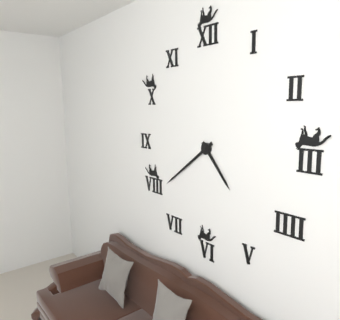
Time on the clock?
4:39
